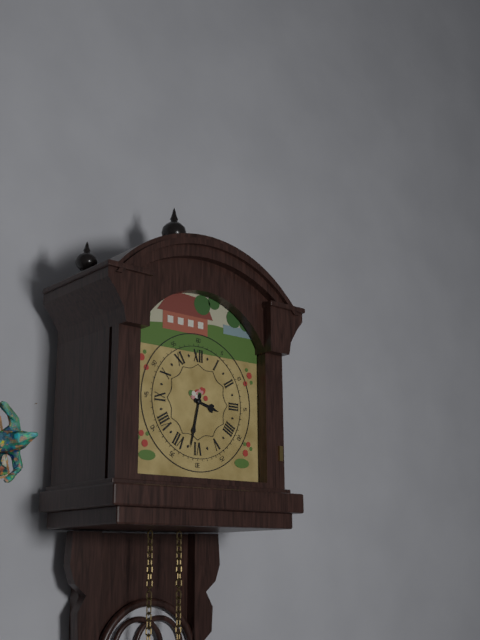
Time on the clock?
3:32
